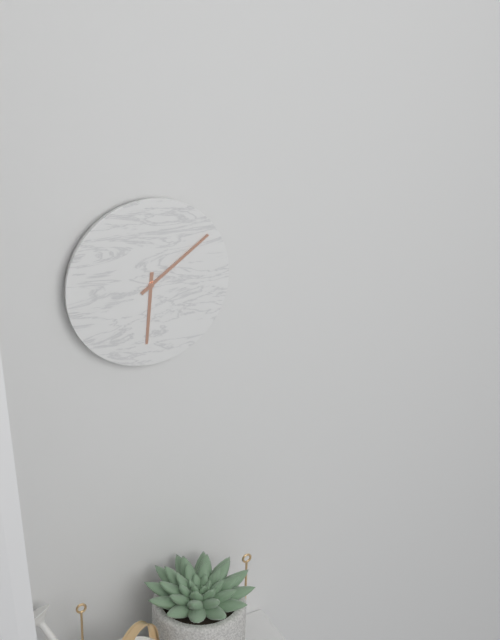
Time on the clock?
6:09
